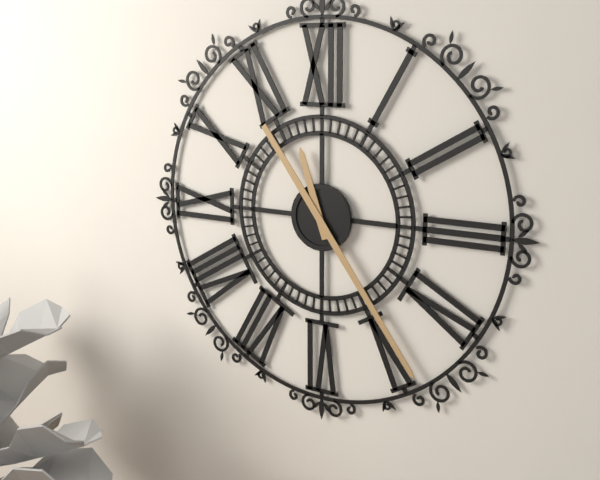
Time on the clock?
11:24
